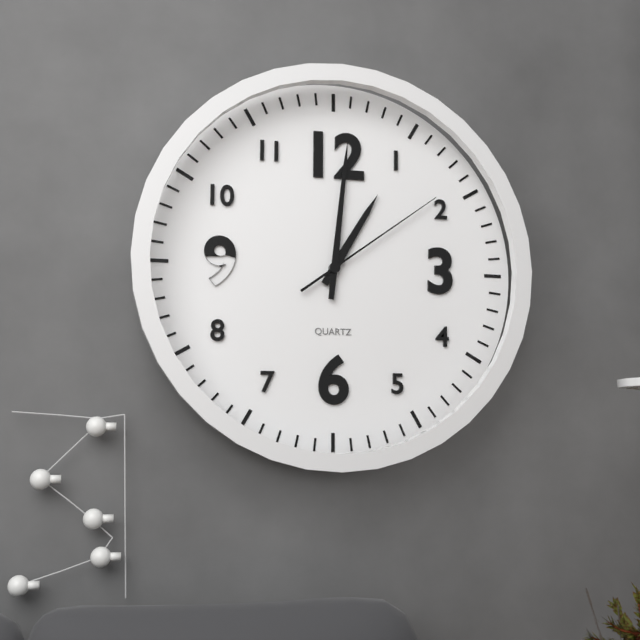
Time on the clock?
1:01:09
